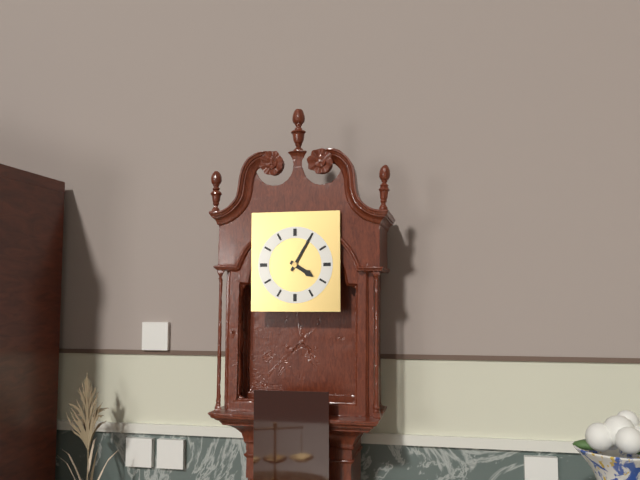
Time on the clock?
4:05
